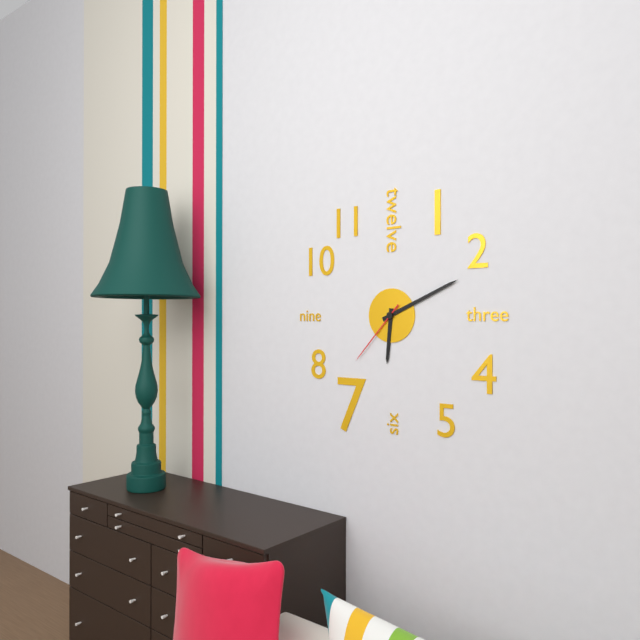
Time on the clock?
6:11:37
